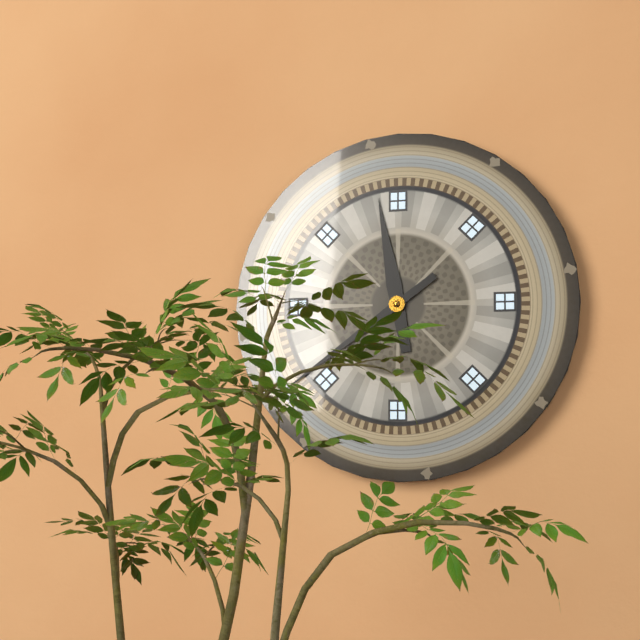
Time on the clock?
11:39
